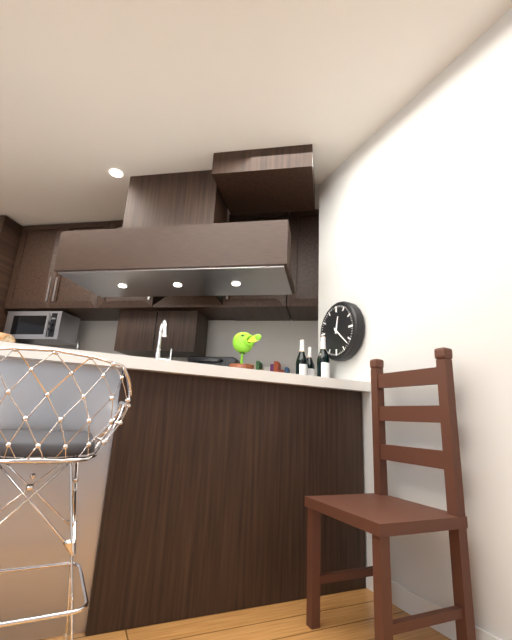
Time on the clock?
12:22
